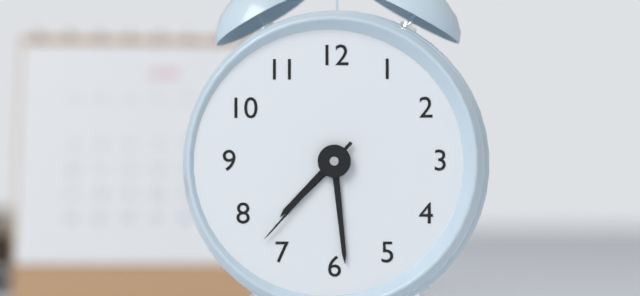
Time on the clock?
7:29:37
